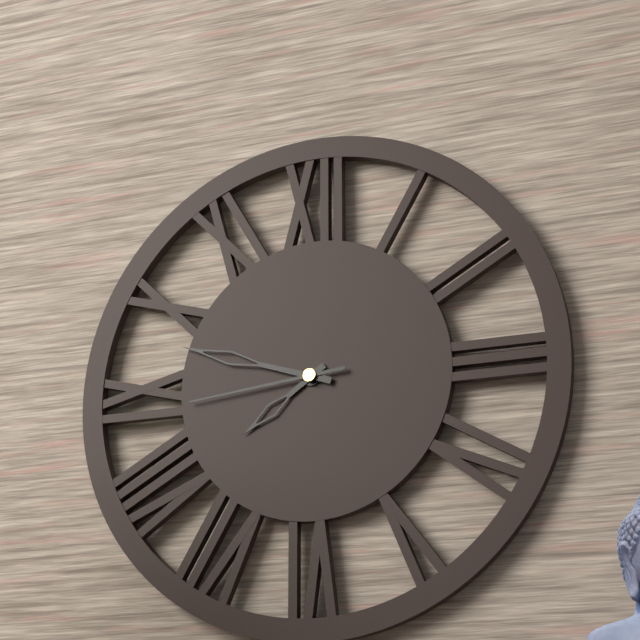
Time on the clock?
7:48:44
